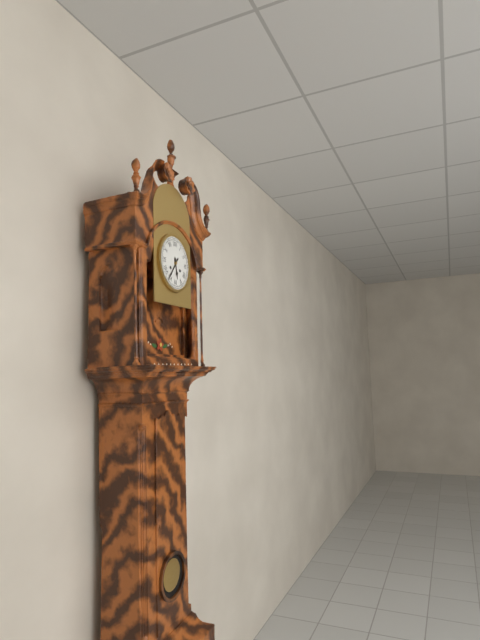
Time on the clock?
5:36
